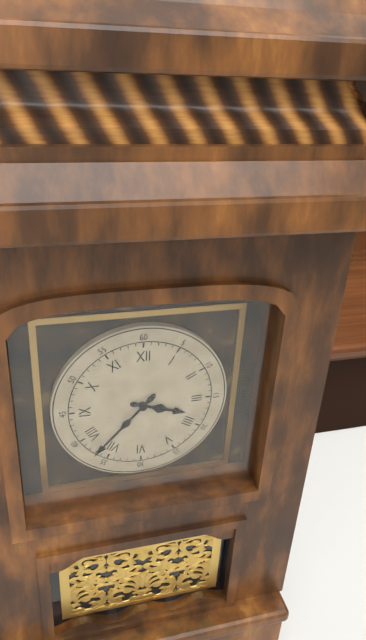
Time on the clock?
3:37
